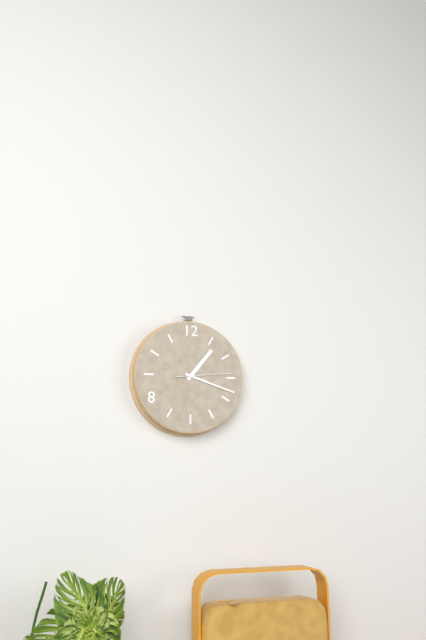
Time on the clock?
1:18:14
